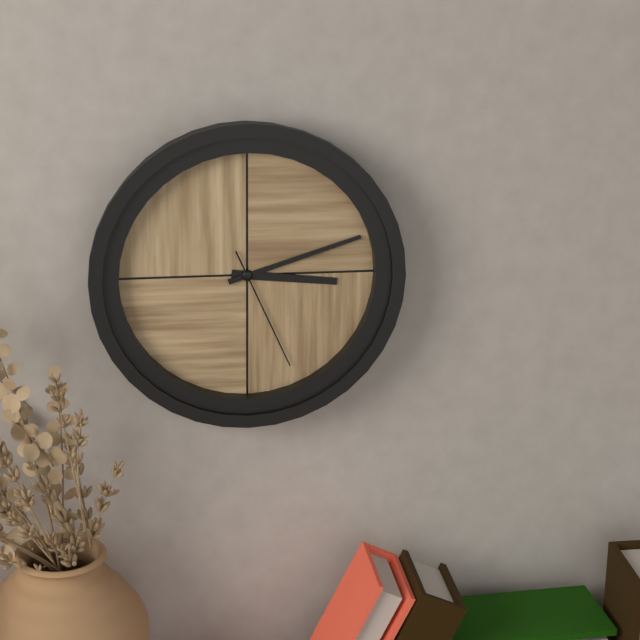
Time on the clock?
3:12:26
